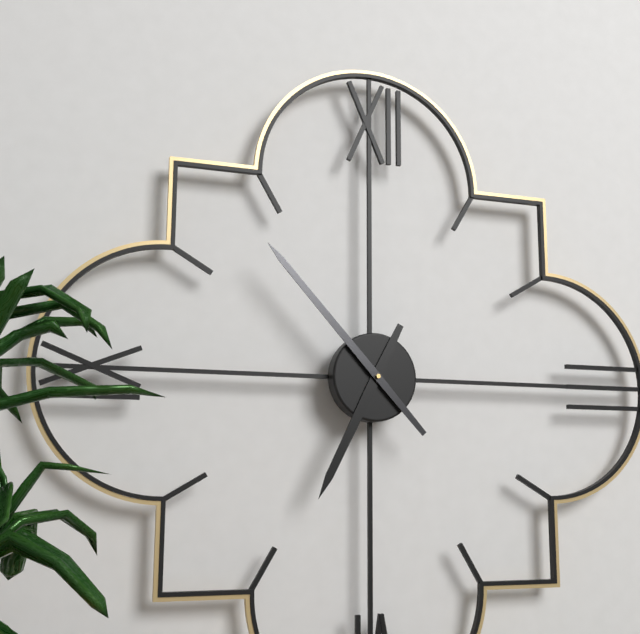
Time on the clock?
6:53
